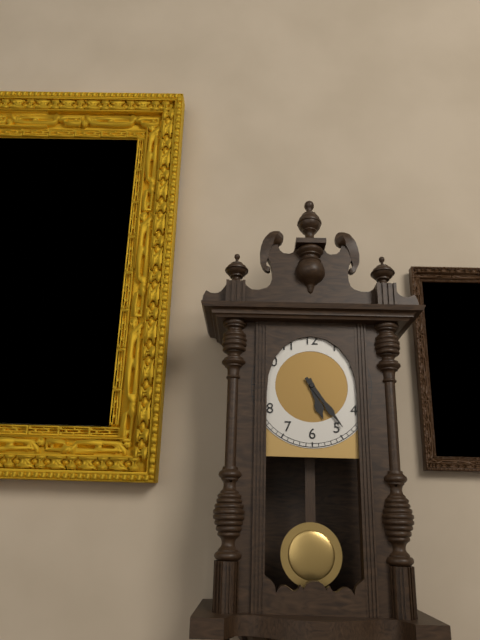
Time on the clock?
5:24
